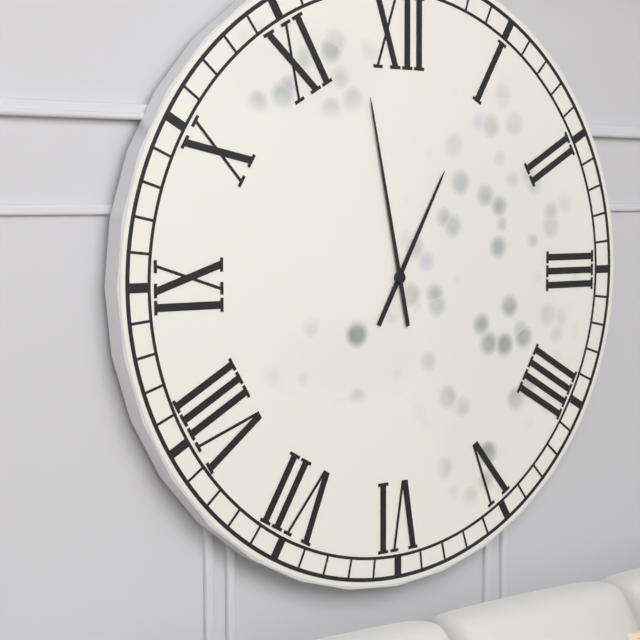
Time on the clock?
12:58
